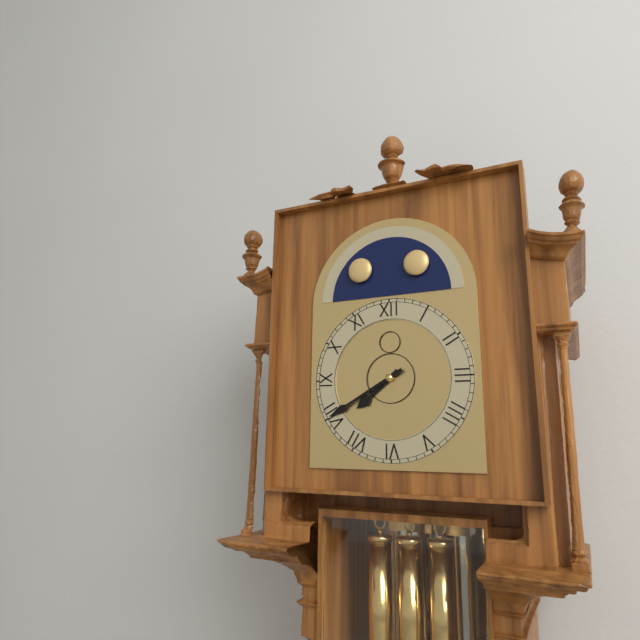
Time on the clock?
7:40
